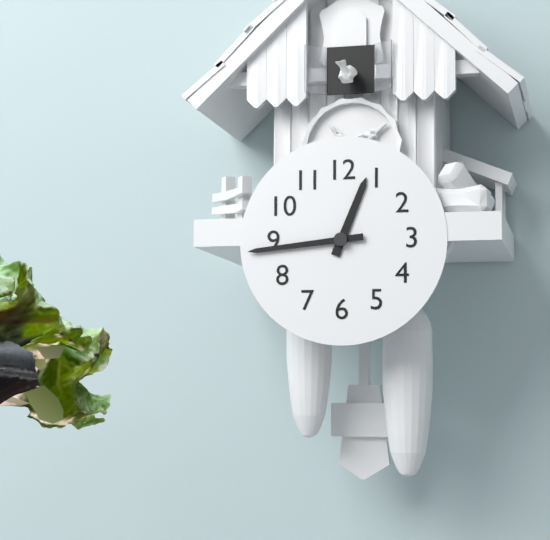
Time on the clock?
12:44
